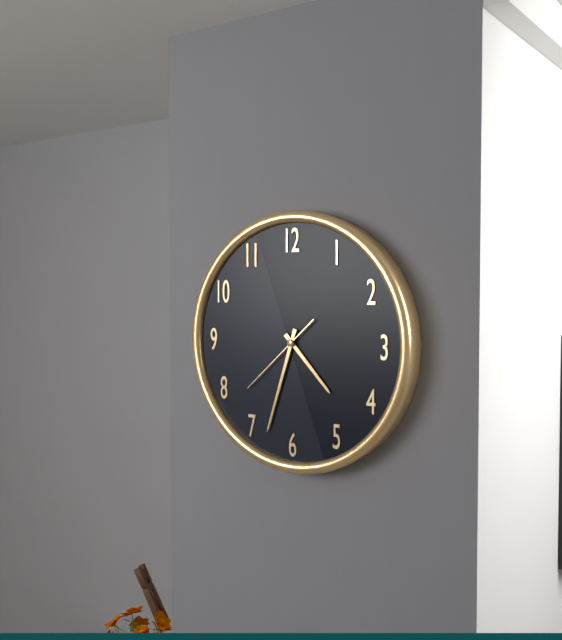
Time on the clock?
4:33:38
